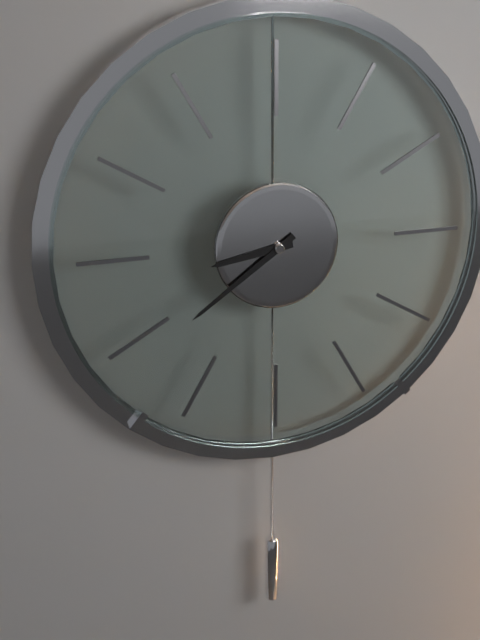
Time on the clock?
8:39
